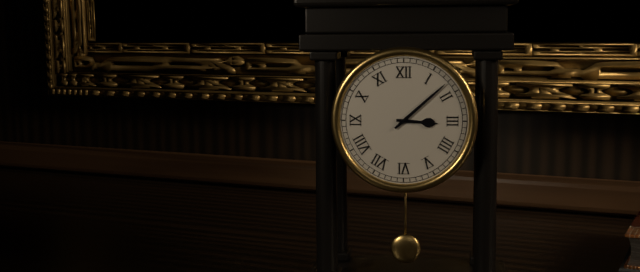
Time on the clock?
3:08
